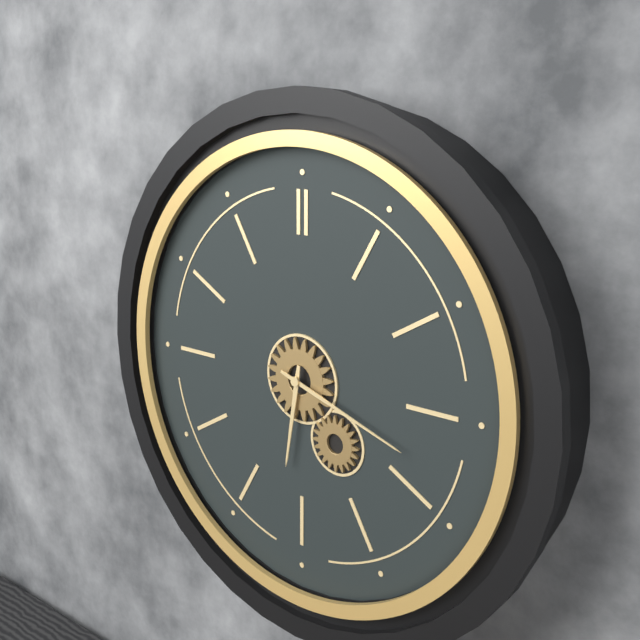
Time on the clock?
6:18
